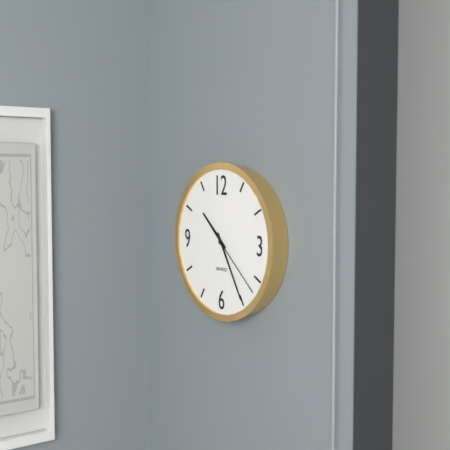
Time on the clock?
10:25:22
